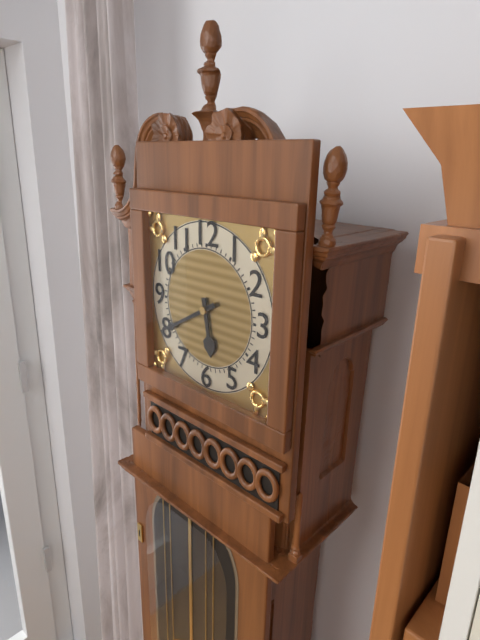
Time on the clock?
5:40
